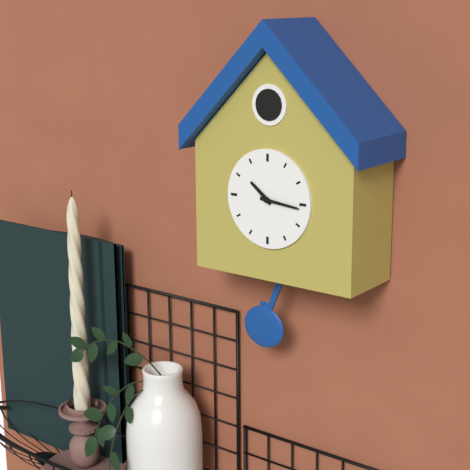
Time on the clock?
10:16
